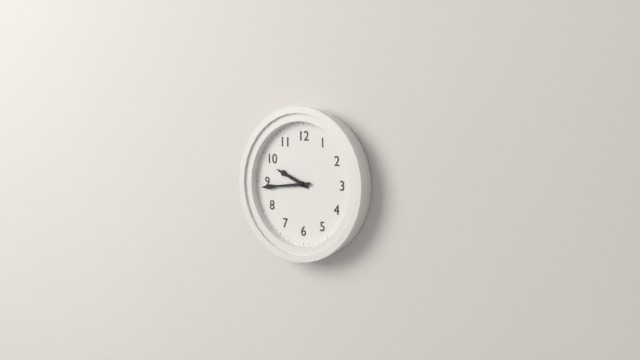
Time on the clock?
9:44
